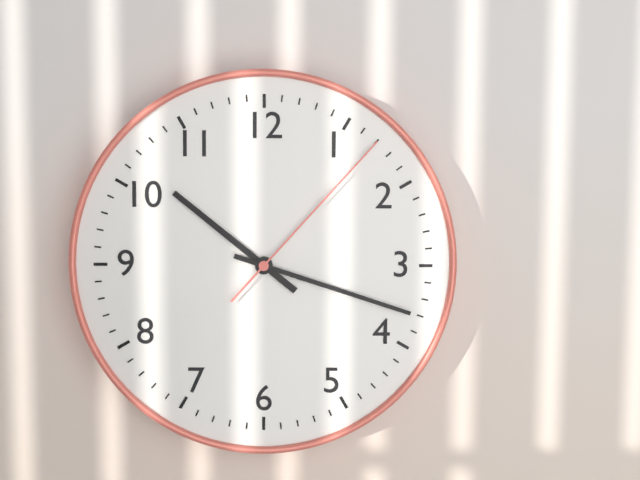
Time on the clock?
10:18:07
